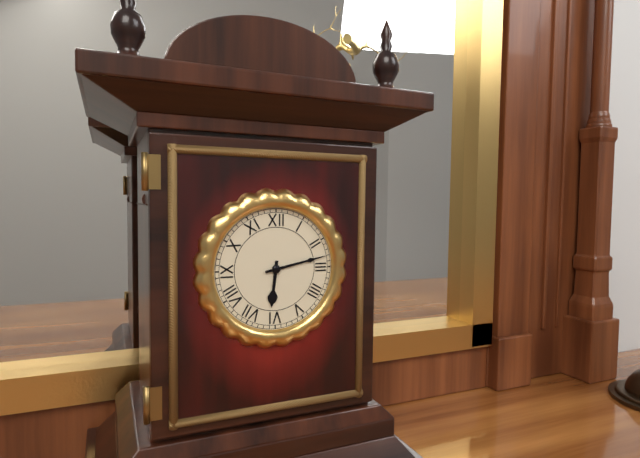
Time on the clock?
6:13
